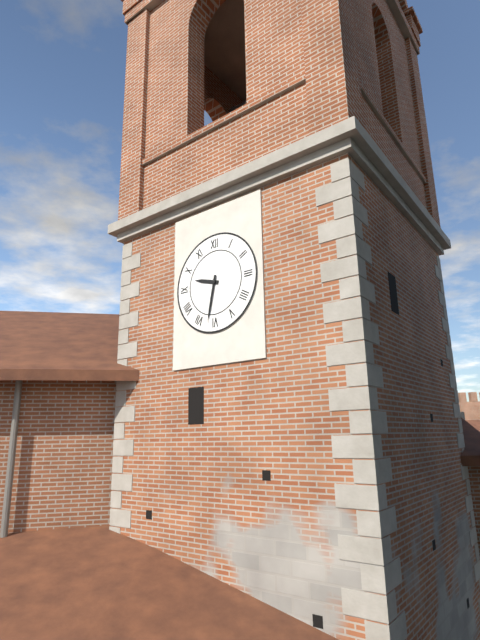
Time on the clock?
9:32
